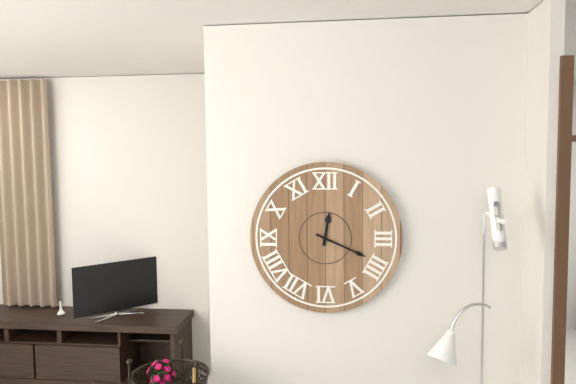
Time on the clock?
12:19
